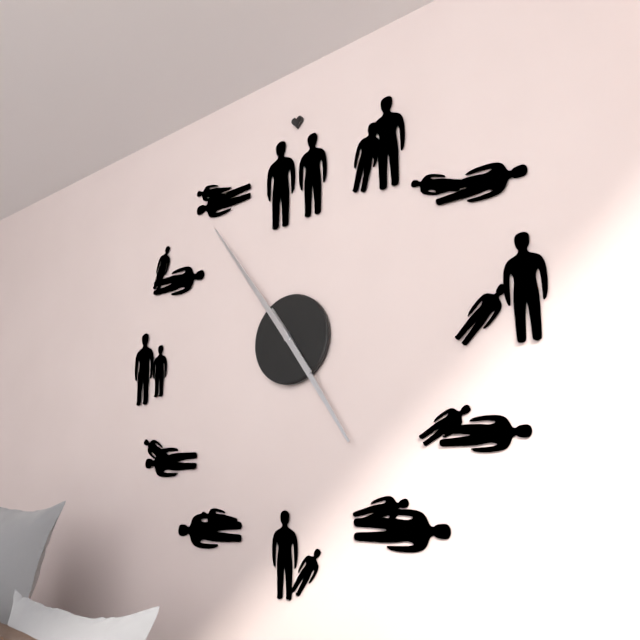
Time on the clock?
4:54
